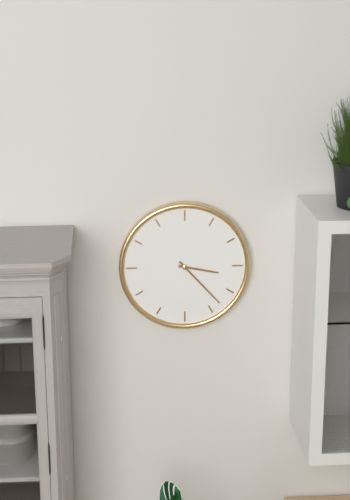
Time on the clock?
3:23
